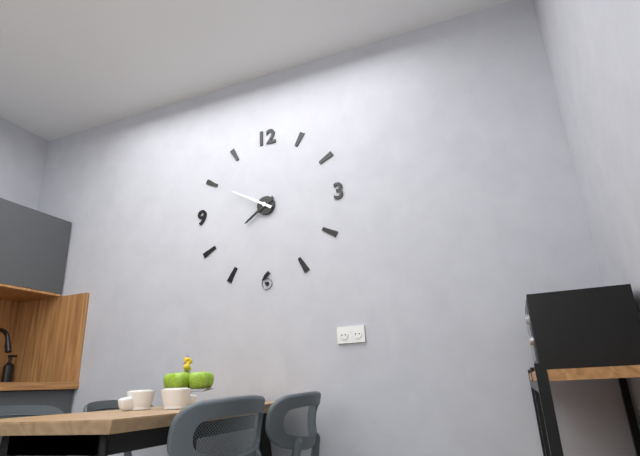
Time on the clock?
7:50
